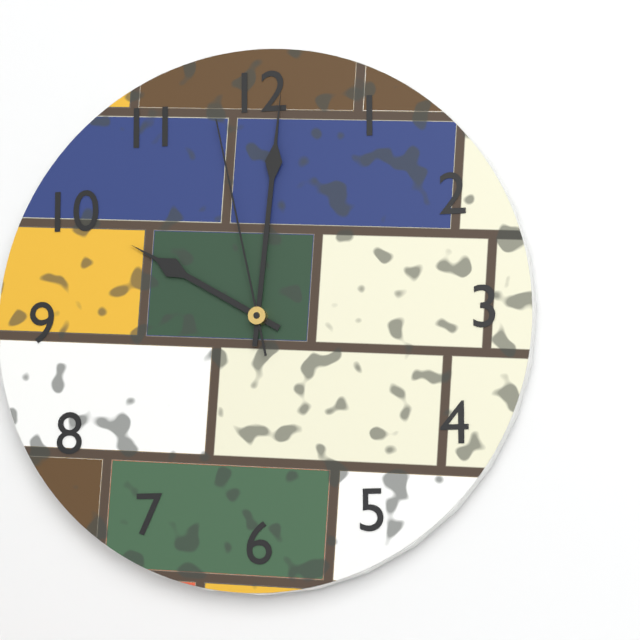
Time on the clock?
10:01:58
